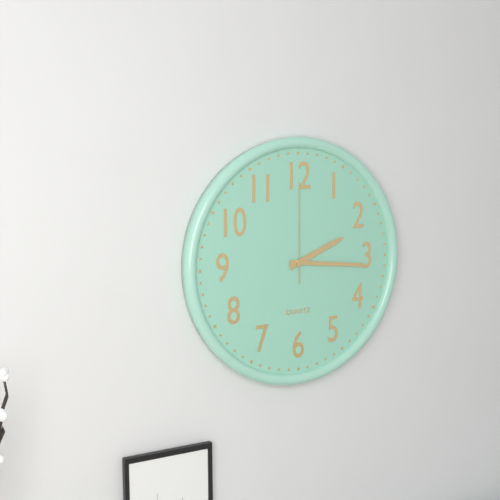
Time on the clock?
2:16:00
